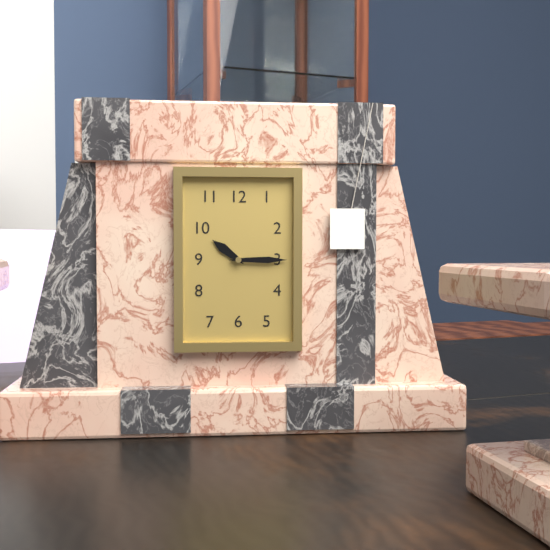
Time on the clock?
10:15
